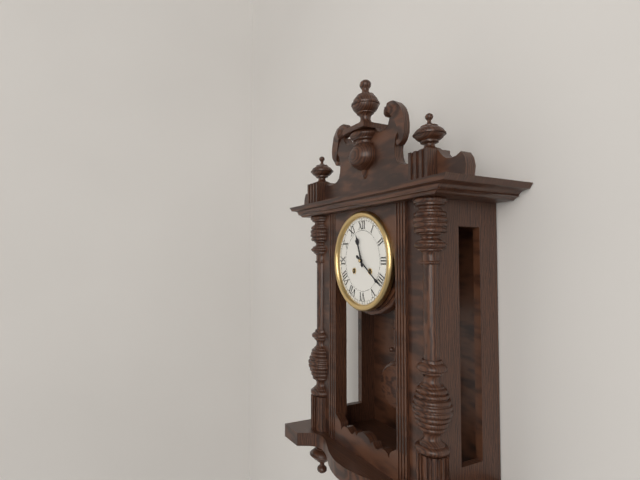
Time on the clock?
11:21
